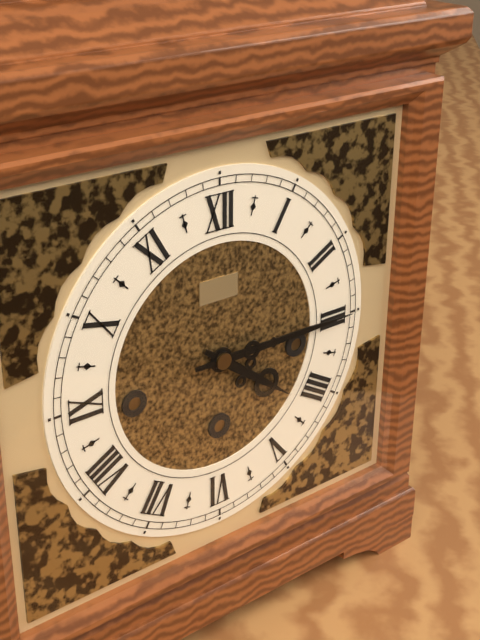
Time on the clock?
4:15
